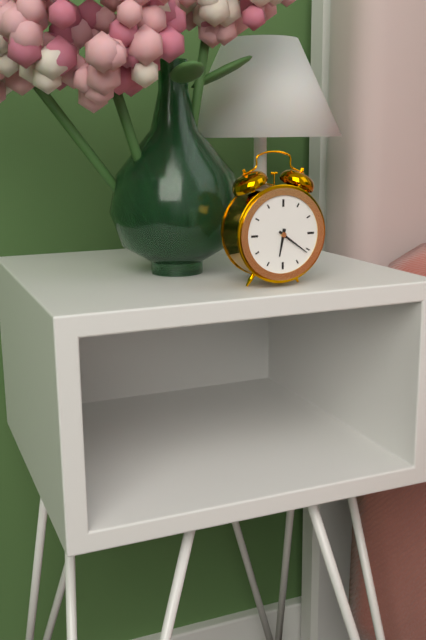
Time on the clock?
6:21
